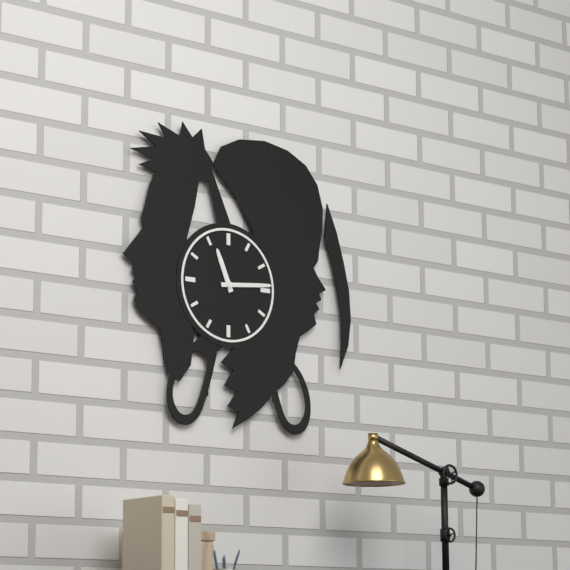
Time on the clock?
11:14
